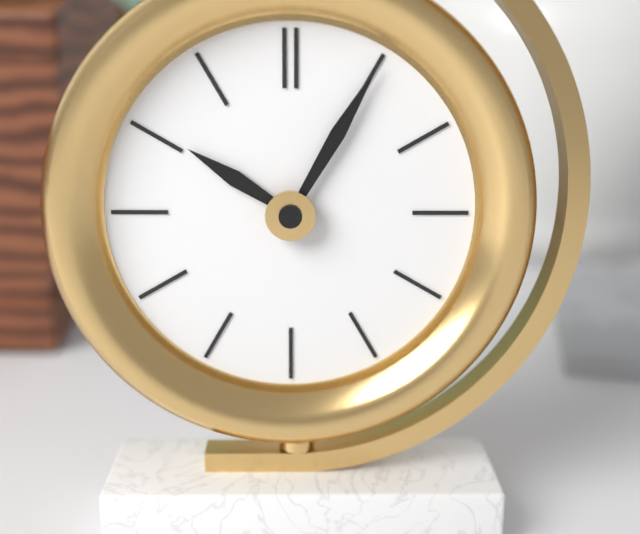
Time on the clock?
10:05
